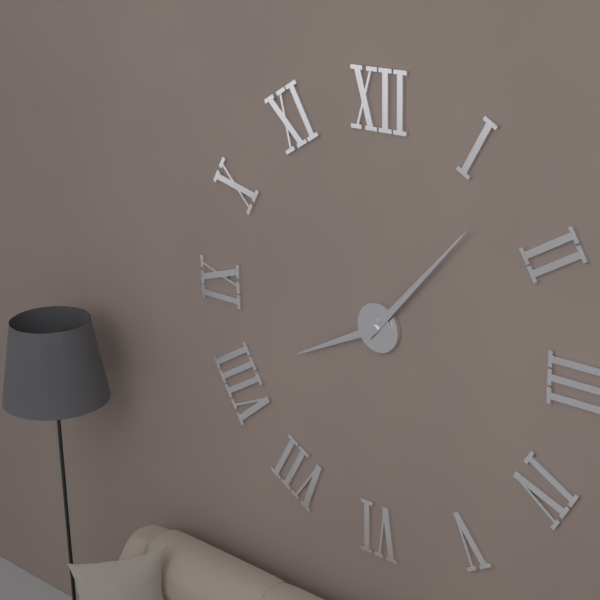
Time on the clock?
8:07
